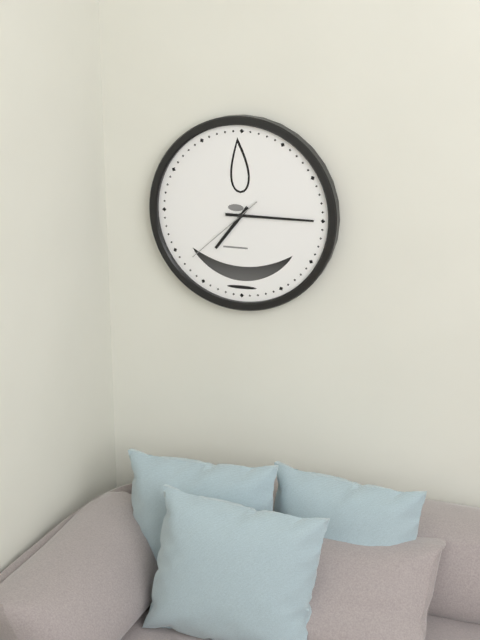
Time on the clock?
7:15:38
